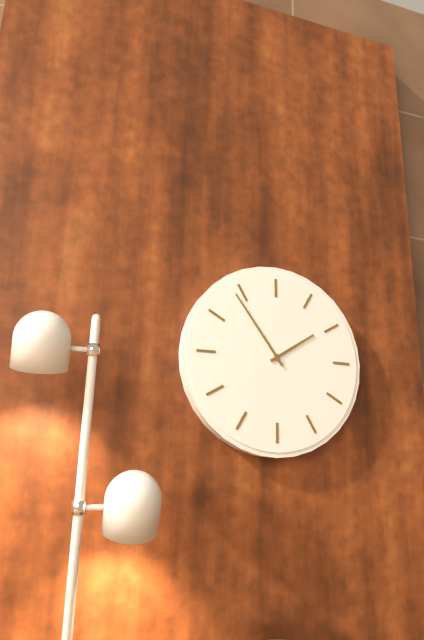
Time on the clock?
1:54
